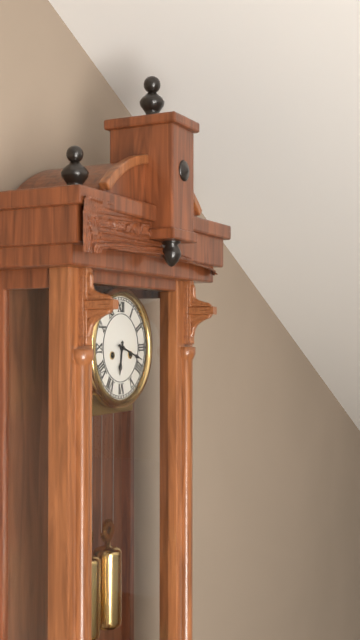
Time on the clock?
6:18
